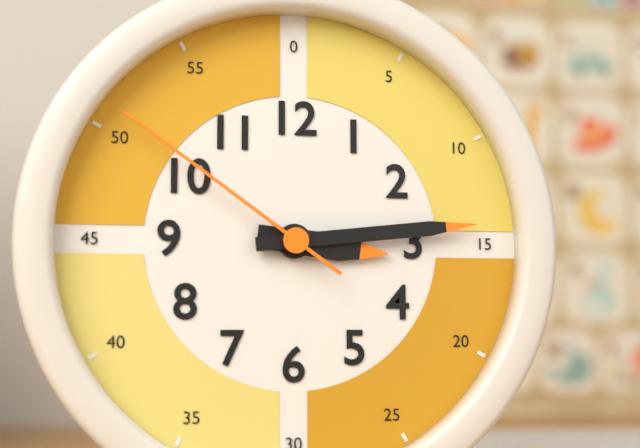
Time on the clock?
3:14:51
